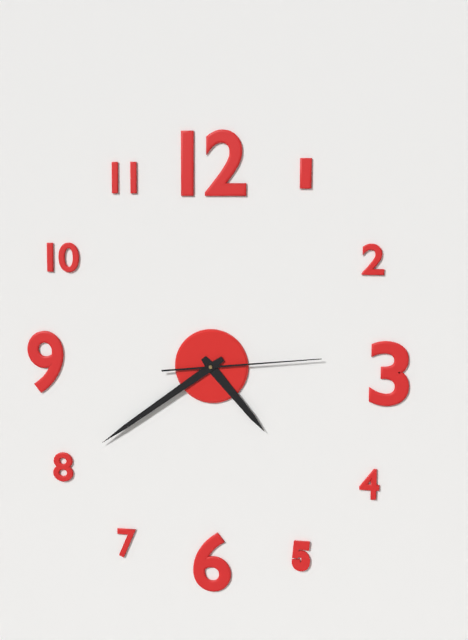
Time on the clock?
4:39:14
